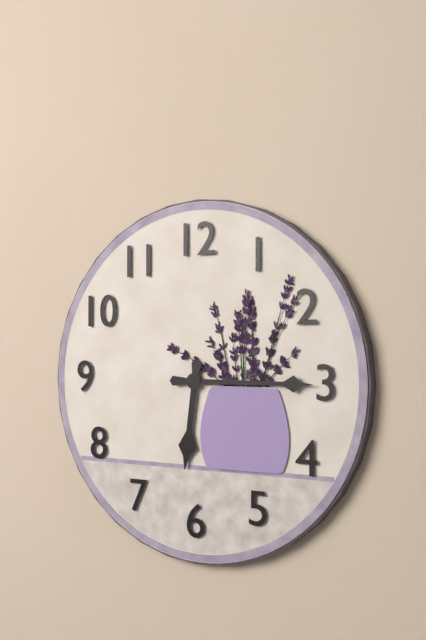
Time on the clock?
6:15
